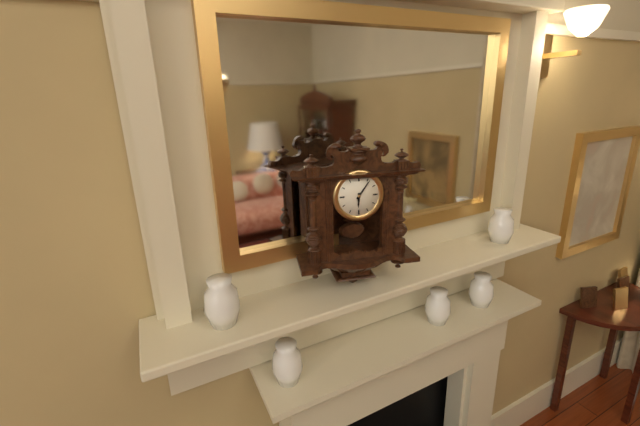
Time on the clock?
6:06
